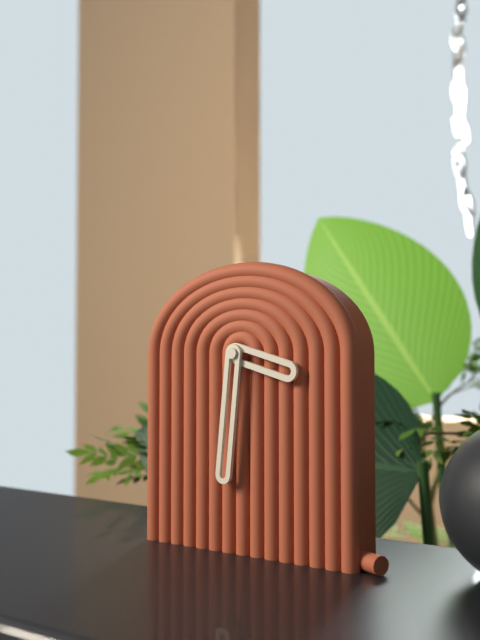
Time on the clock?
3:31
